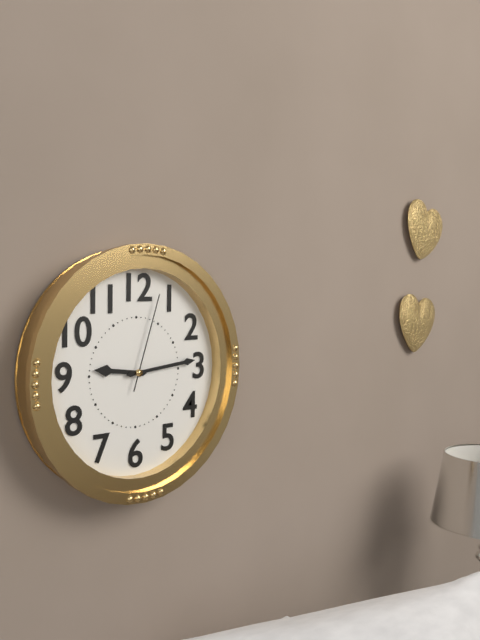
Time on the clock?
9:14:03
